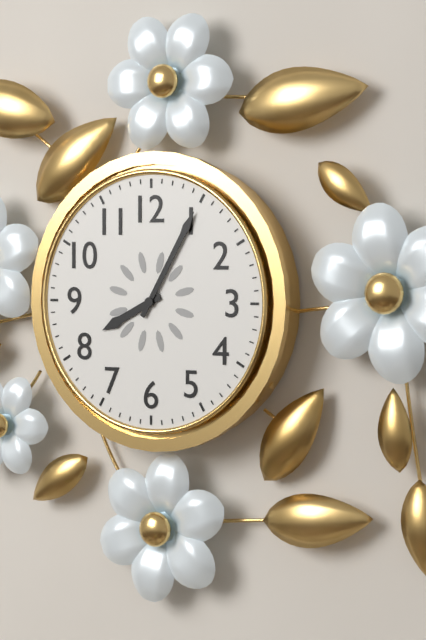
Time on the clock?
8:05
